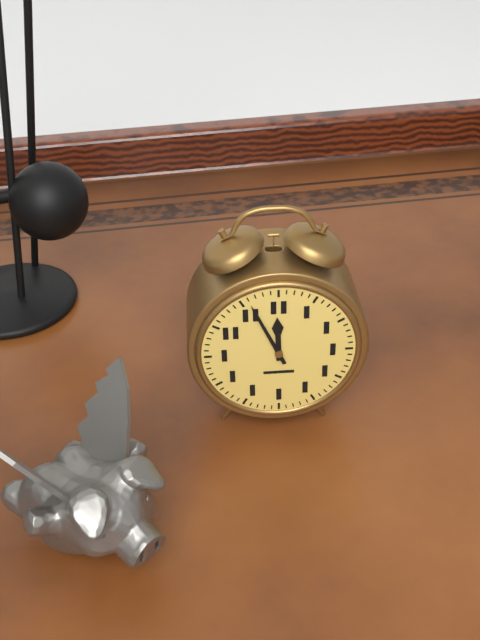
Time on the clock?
11:56
